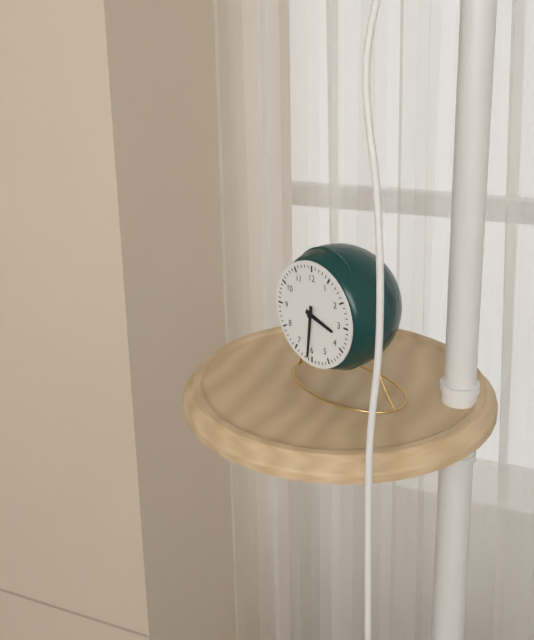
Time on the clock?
3:31
